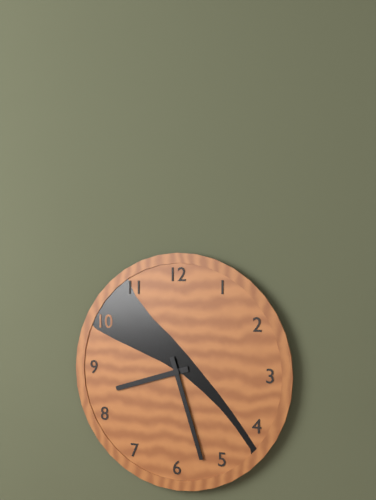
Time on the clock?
8:27
